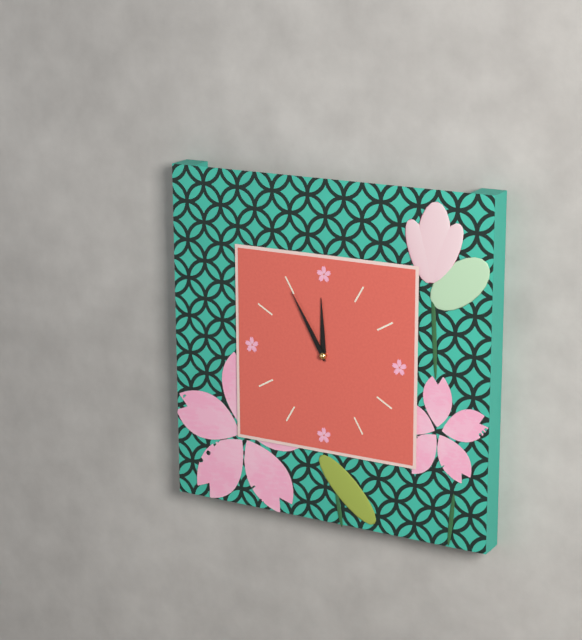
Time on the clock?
11:55
